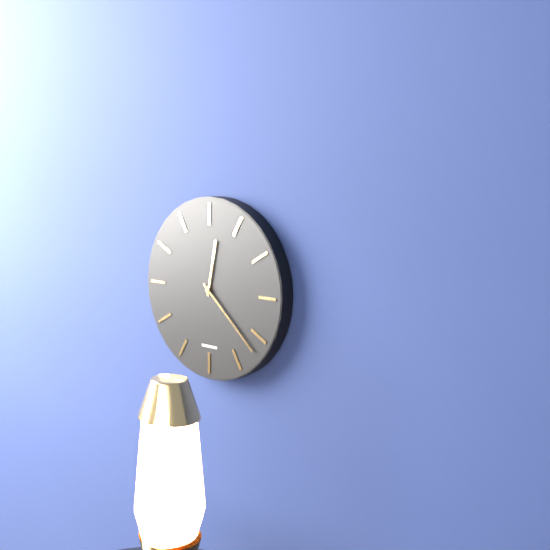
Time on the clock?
12:22
